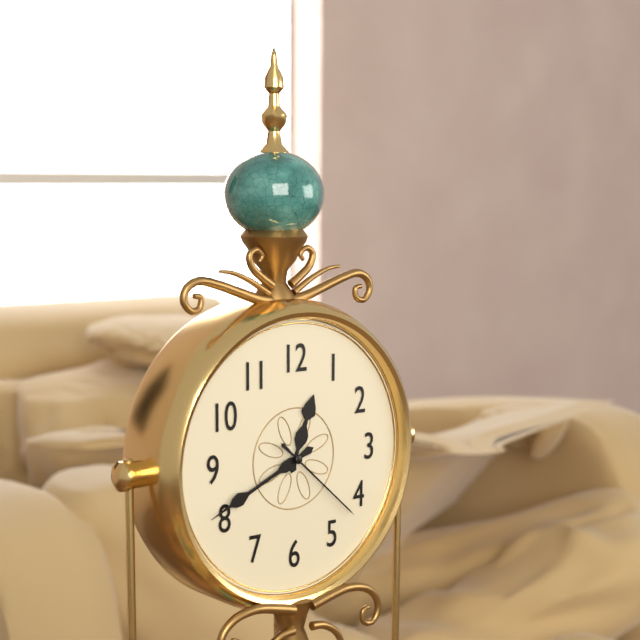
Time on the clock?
12:41:22
